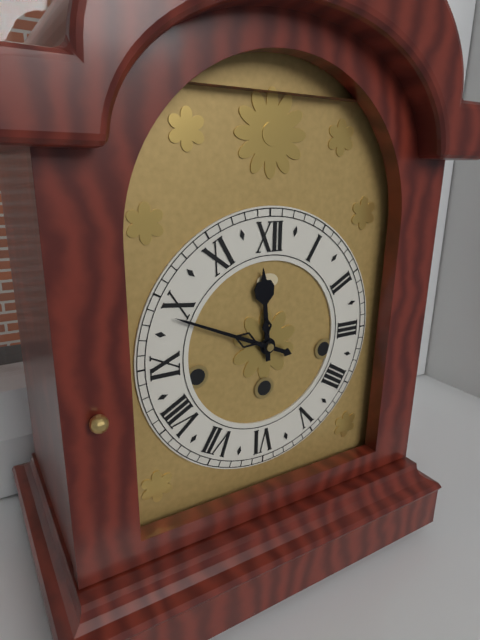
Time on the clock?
11:49
